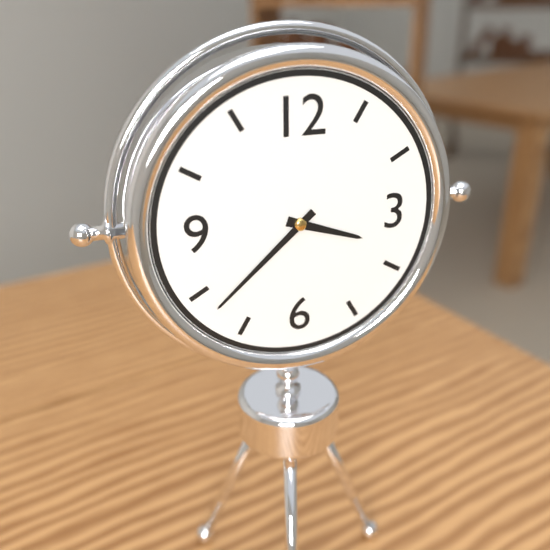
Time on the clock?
3:38
